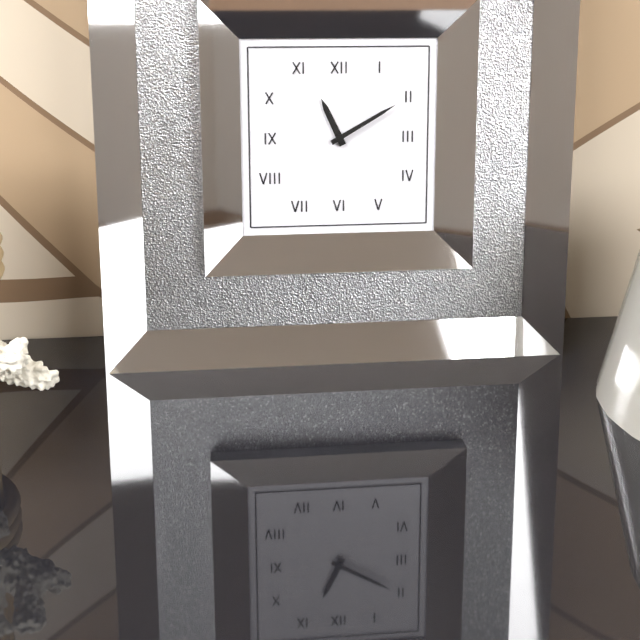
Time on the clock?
11:10
